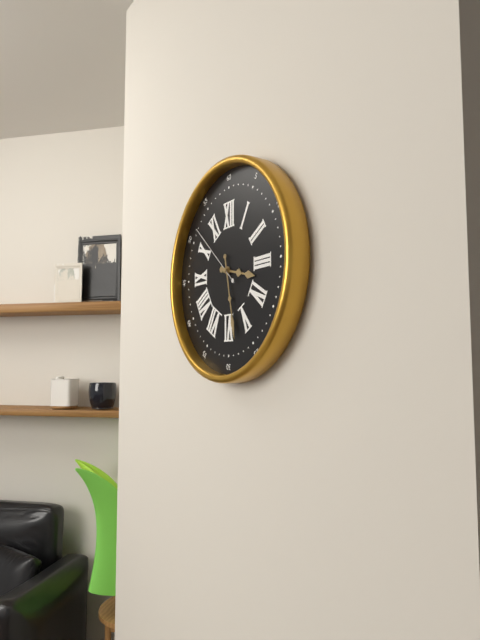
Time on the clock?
3:28:52
